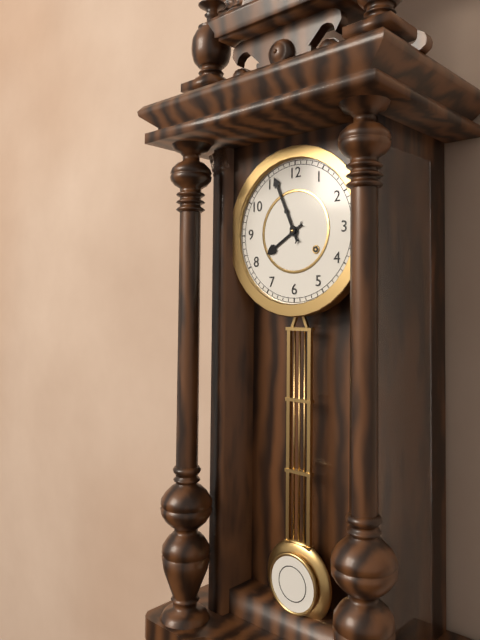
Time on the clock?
7:56
